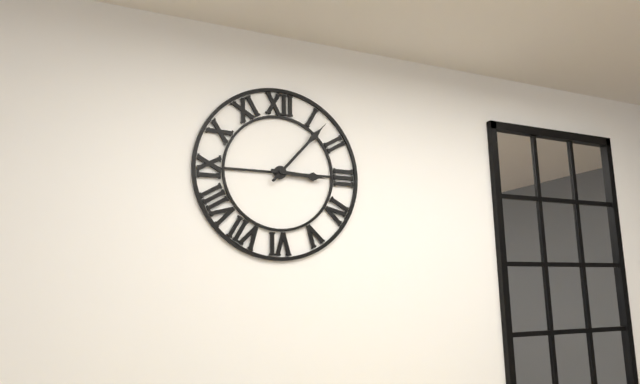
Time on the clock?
3:07
